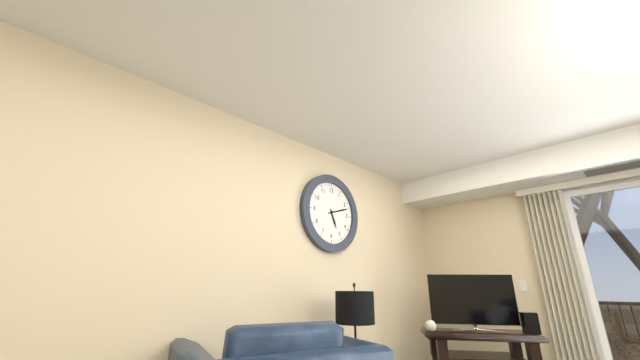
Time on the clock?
5:12
